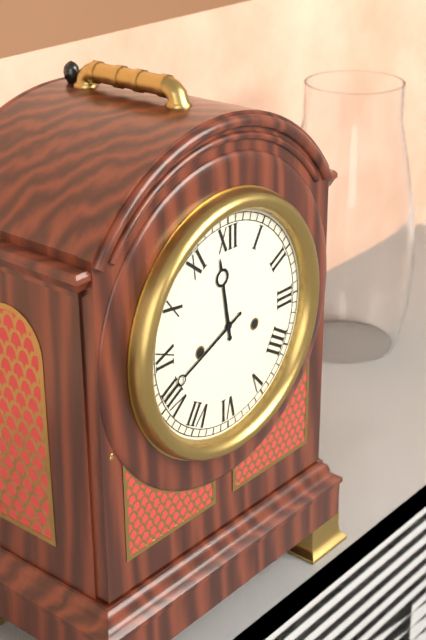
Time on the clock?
11:41
